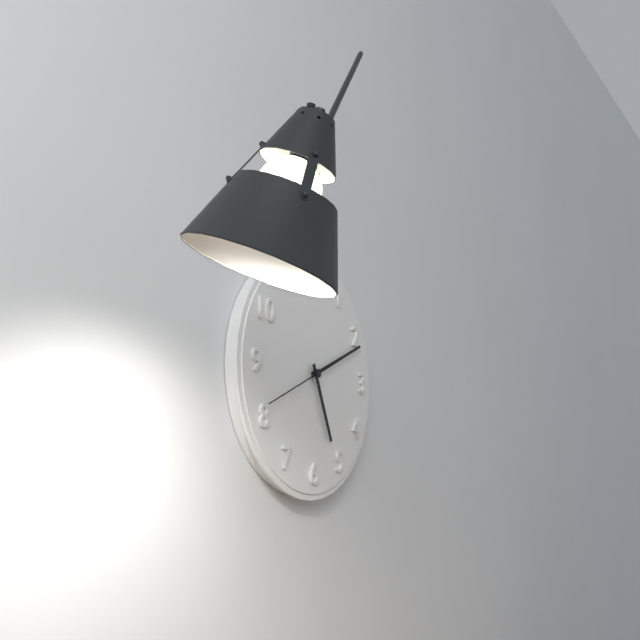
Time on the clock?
5:11:41
